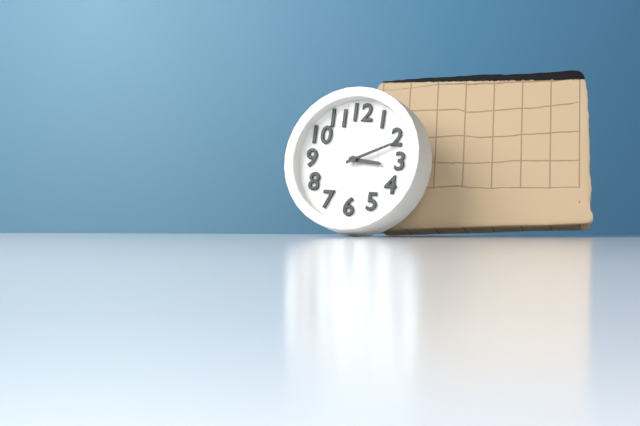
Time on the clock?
3:11
